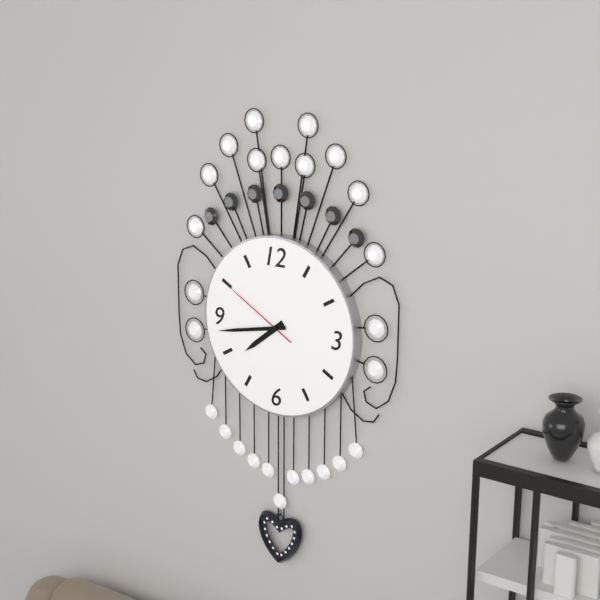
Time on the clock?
7:43:50
